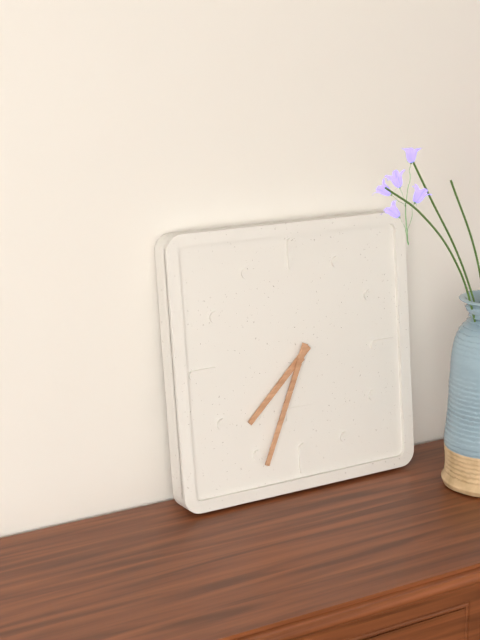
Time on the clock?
7:34
